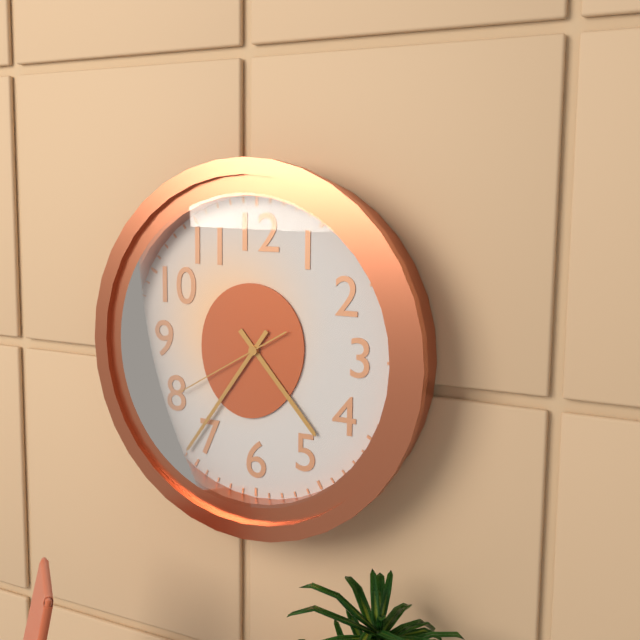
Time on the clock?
4:36:40
